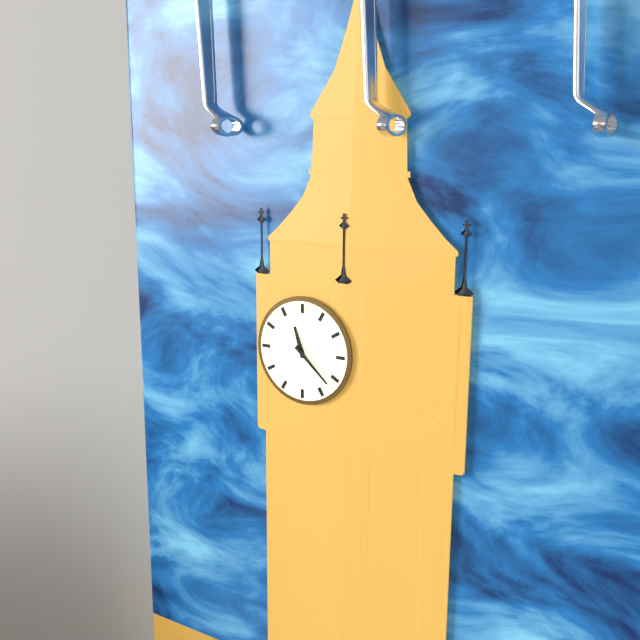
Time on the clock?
11:22
